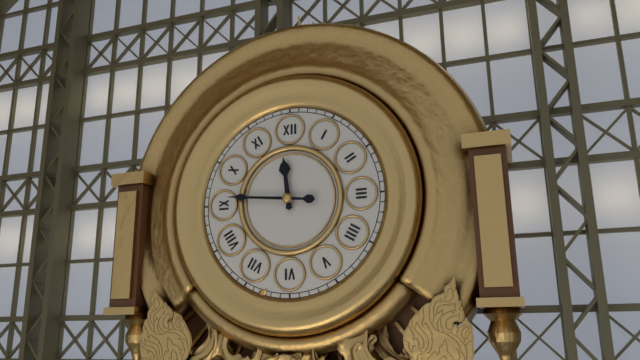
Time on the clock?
11:46
